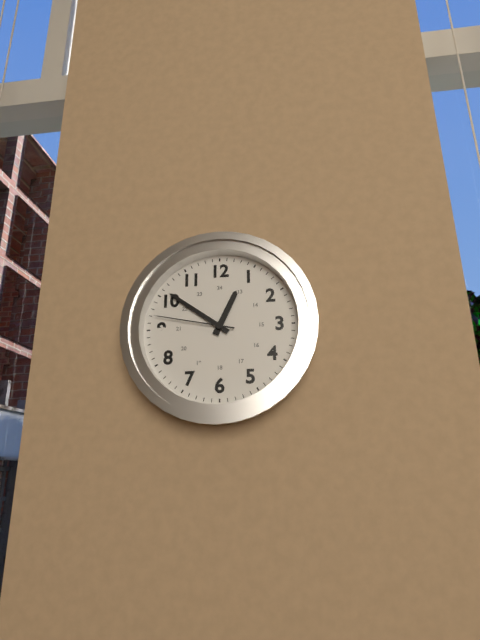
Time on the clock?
12:51:47
